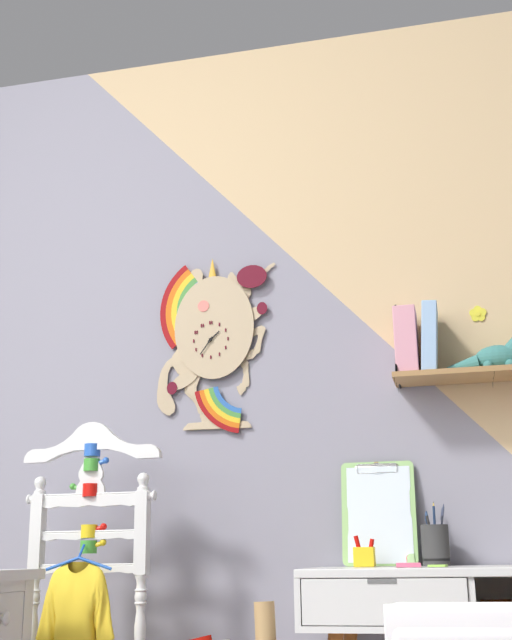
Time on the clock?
1:36
